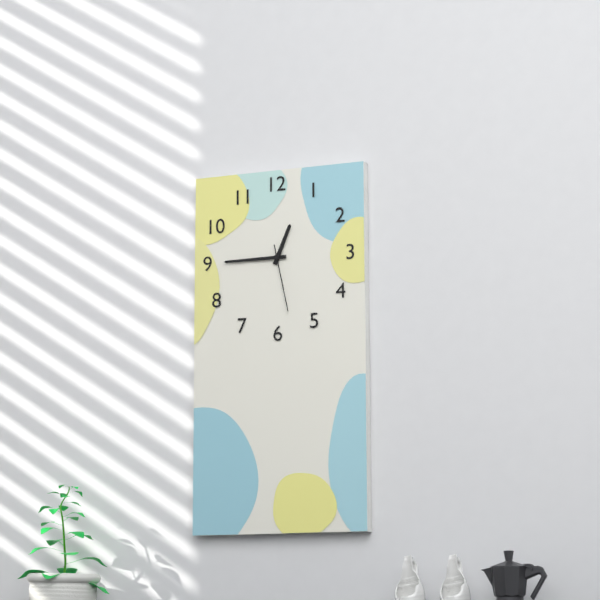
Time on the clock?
12:45:28
